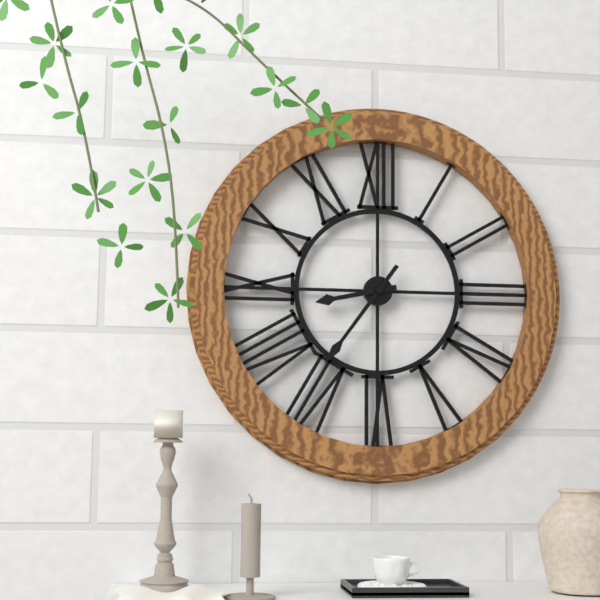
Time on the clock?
8:36
